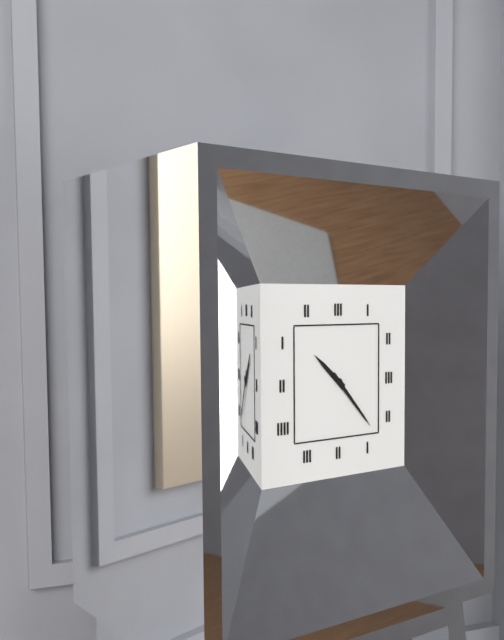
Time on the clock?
10:23
